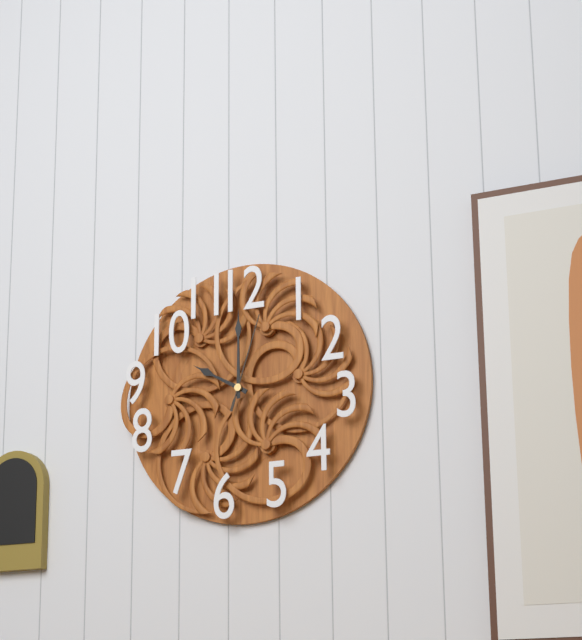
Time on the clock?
10:00:03
